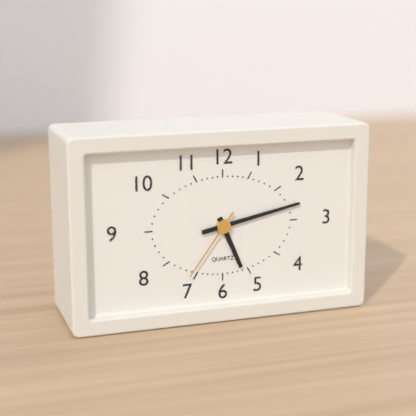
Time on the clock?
5:13:36
